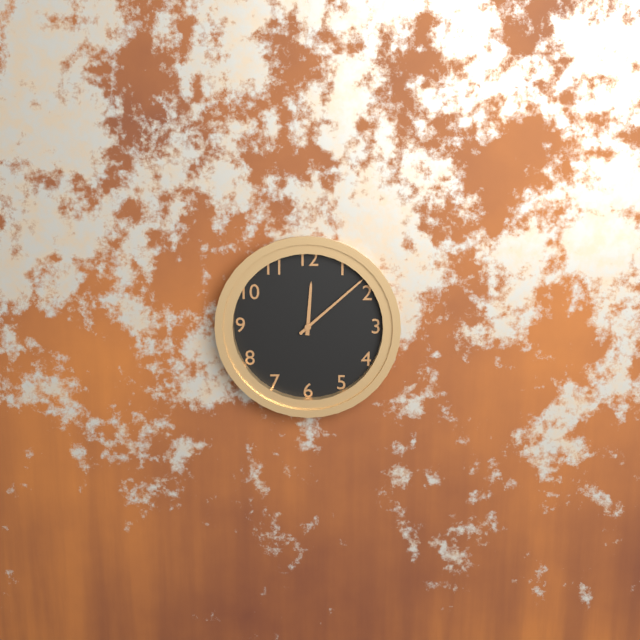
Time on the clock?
12:08
